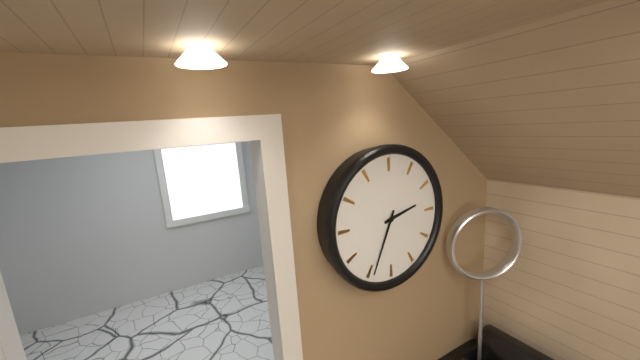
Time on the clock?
2:34
